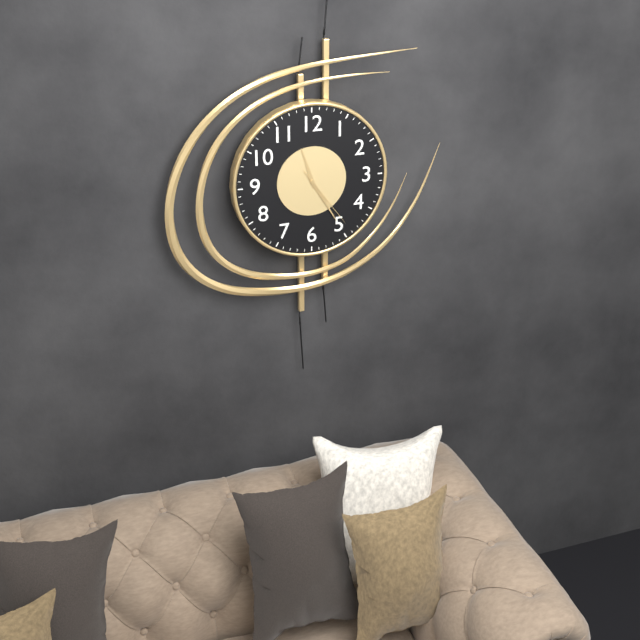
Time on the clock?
11:25:24
